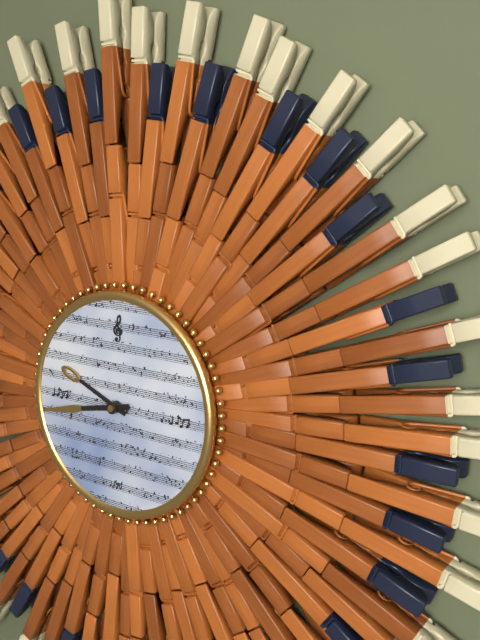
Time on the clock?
9:43
